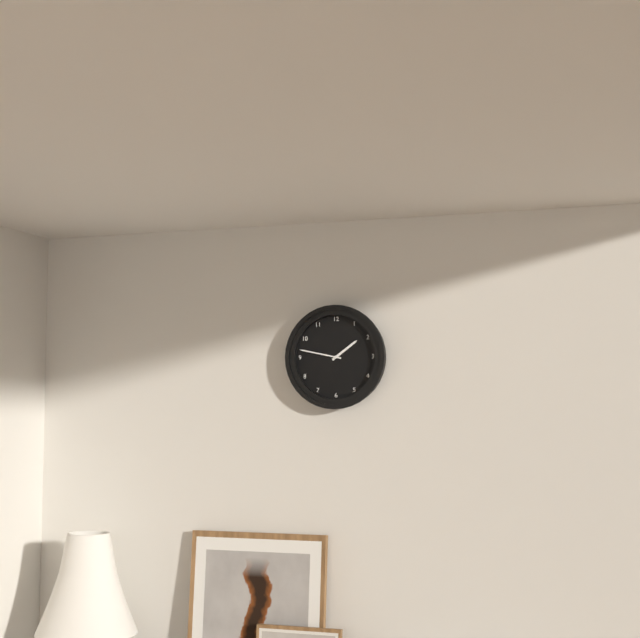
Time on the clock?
1:47
